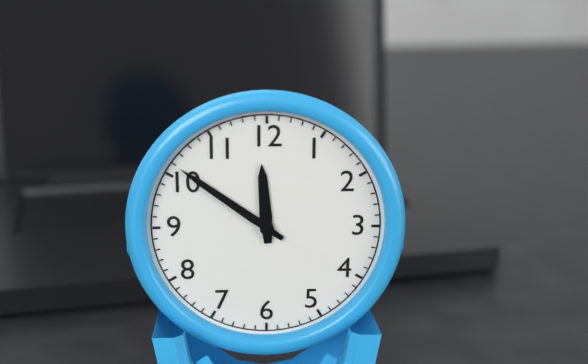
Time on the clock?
11:51
